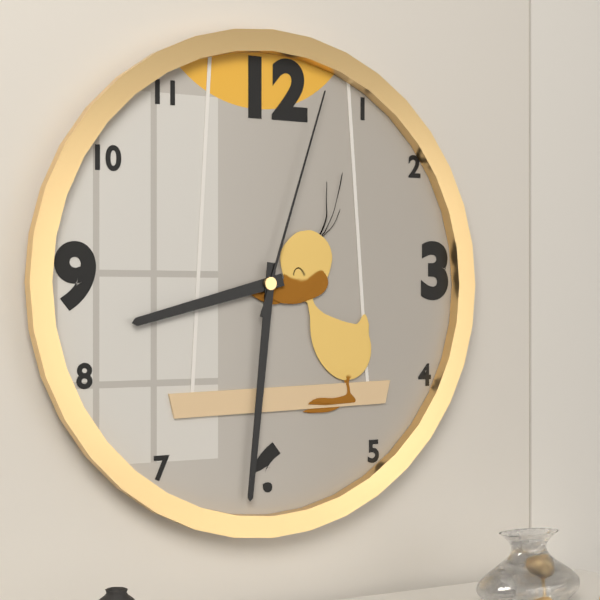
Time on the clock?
8:31:03
